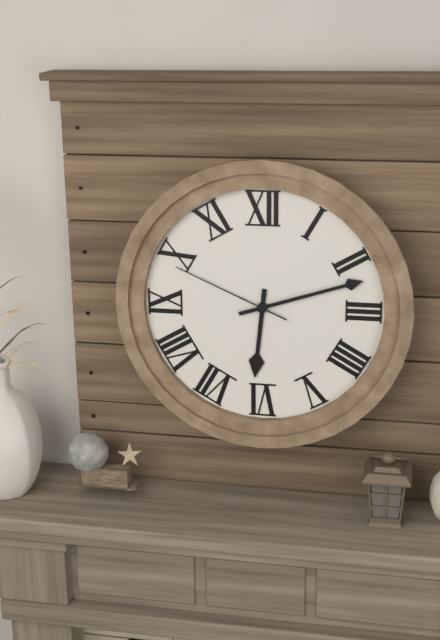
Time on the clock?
6:12:49
